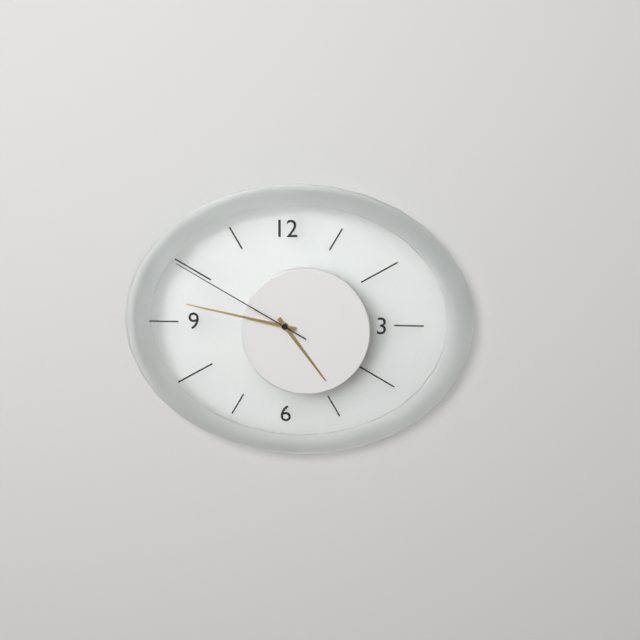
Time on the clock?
4:47:50
